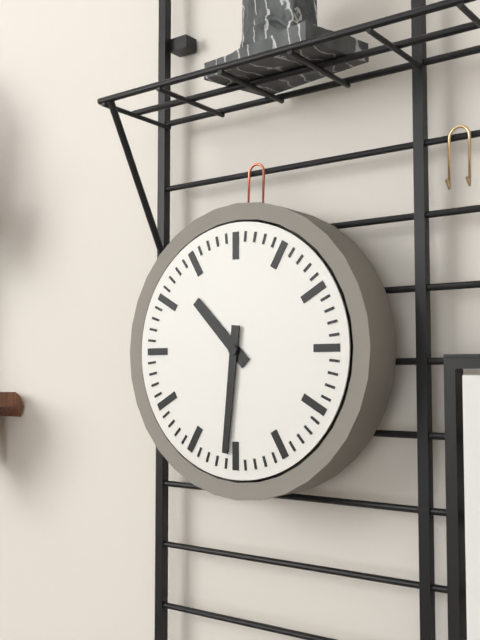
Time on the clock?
10:31
